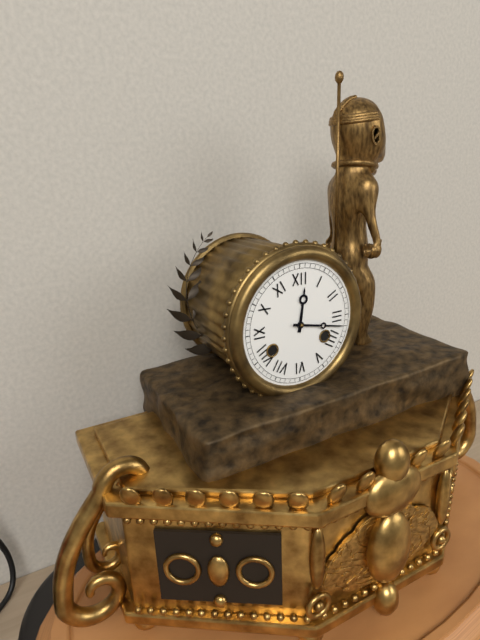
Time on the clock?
12:17
